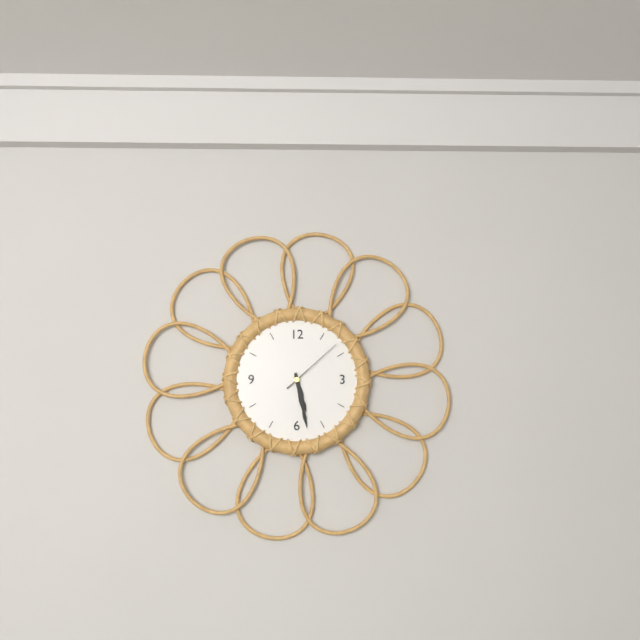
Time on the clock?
5:28:08
